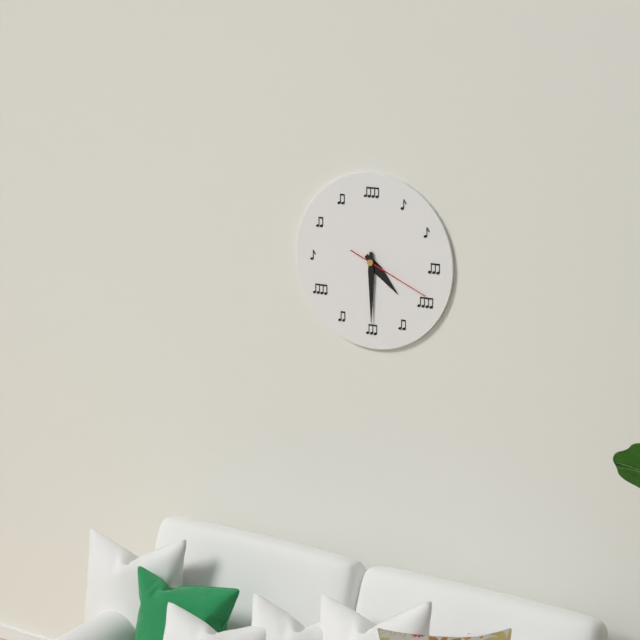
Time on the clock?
4:30:19
